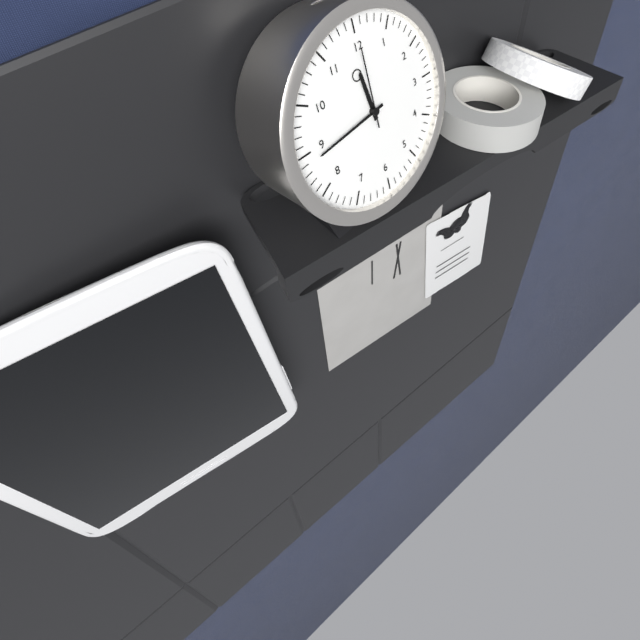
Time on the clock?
11:44:00
